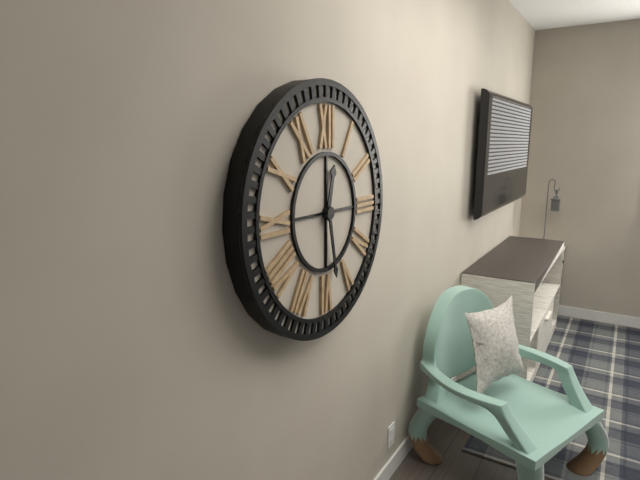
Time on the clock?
12:28
